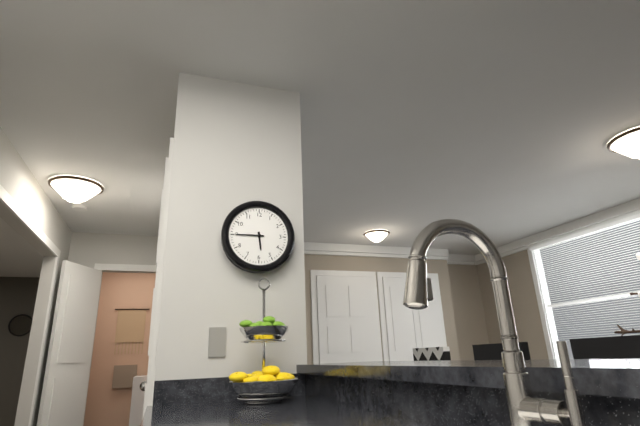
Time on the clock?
5:45
